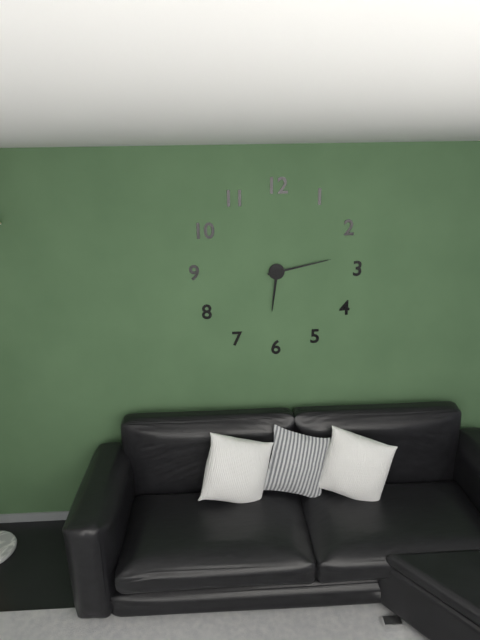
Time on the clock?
6:13
